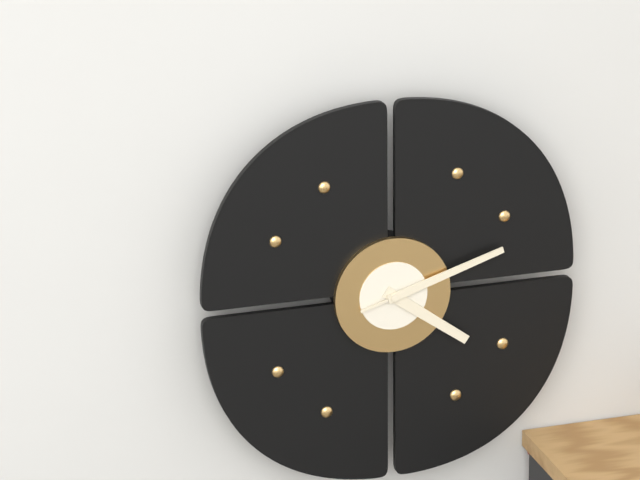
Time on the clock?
4:12
